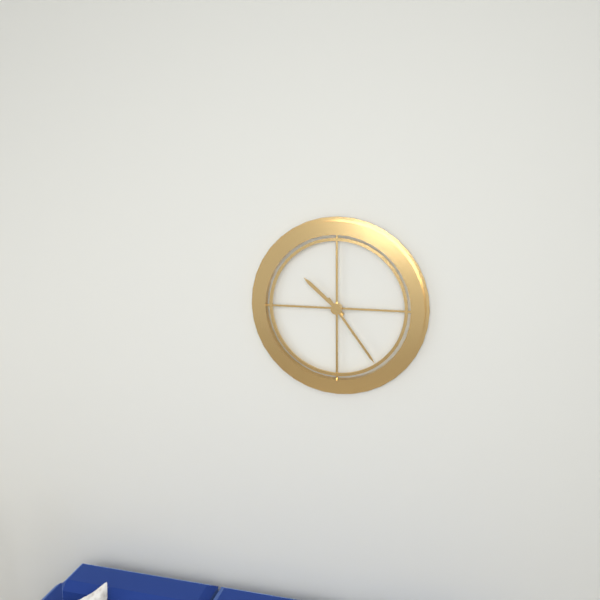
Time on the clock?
10:24
